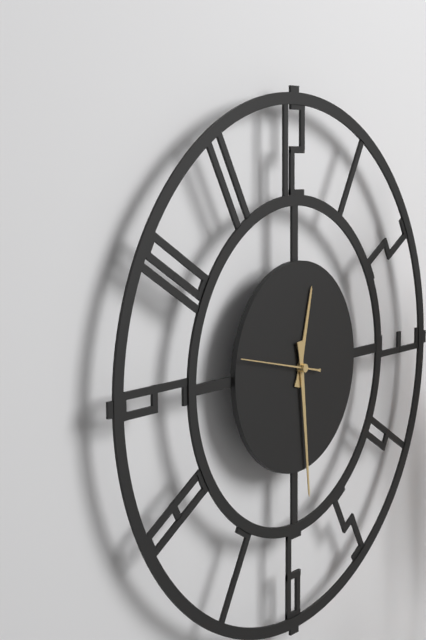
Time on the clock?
12:29
